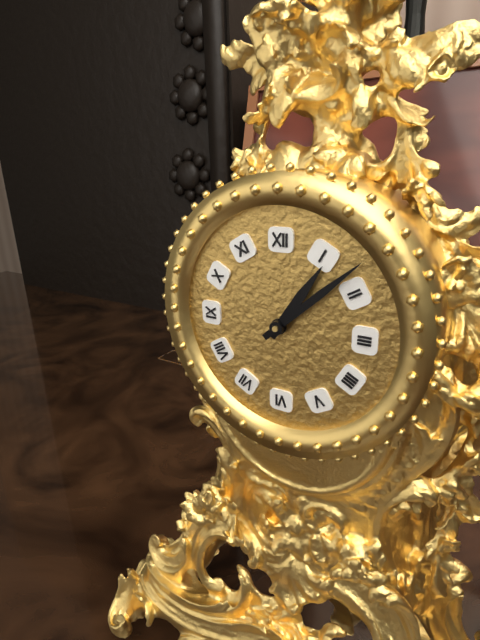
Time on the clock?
1:08
